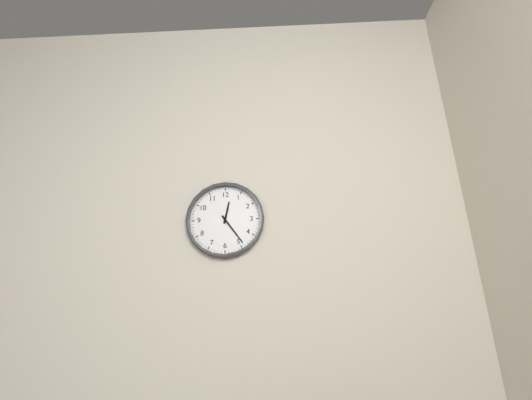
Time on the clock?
12:24
